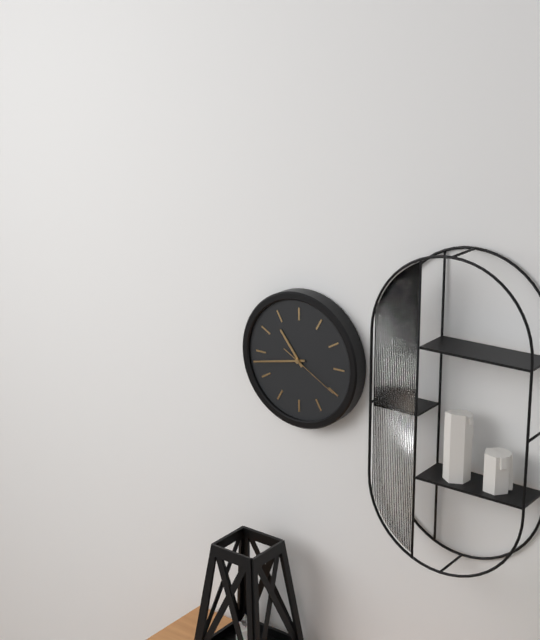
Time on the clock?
10:43:20
